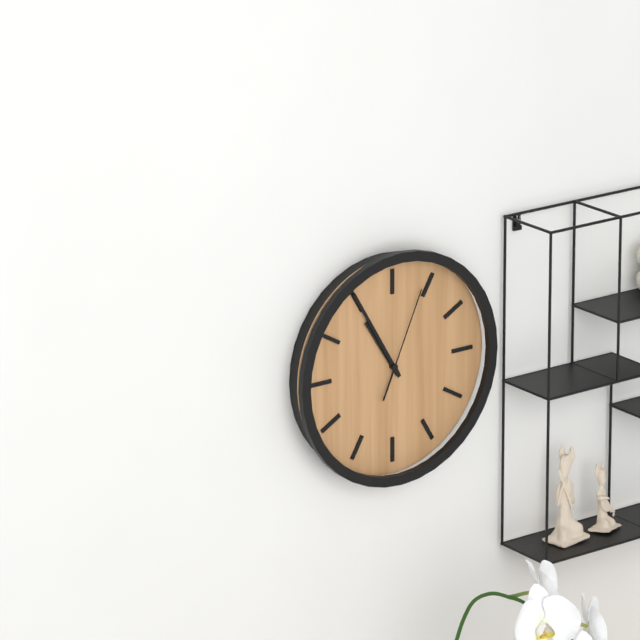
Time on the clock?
10:55:04
